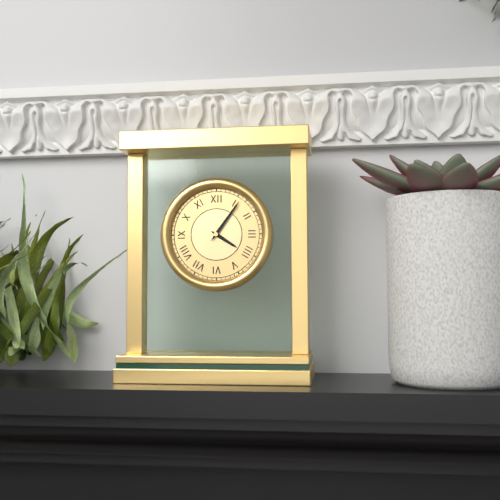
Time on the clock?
4:06
